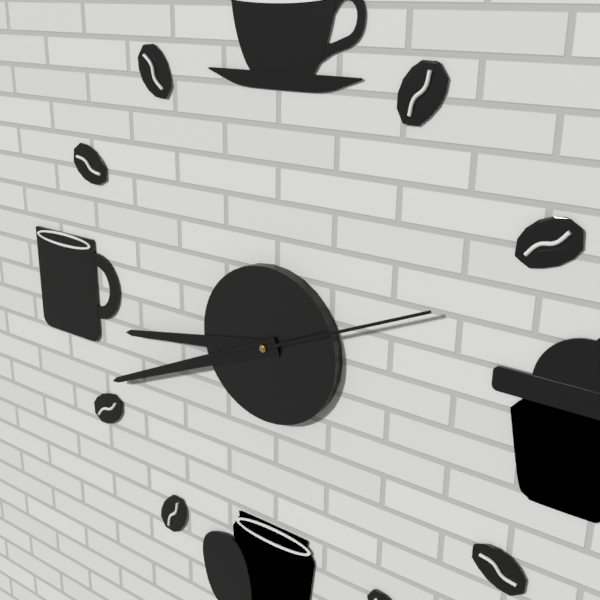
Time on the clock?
8:41:11
